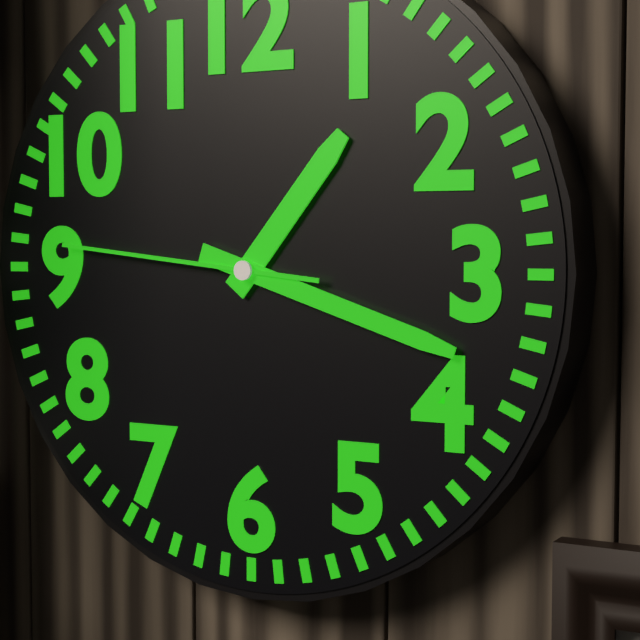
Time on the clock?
1:18:46
